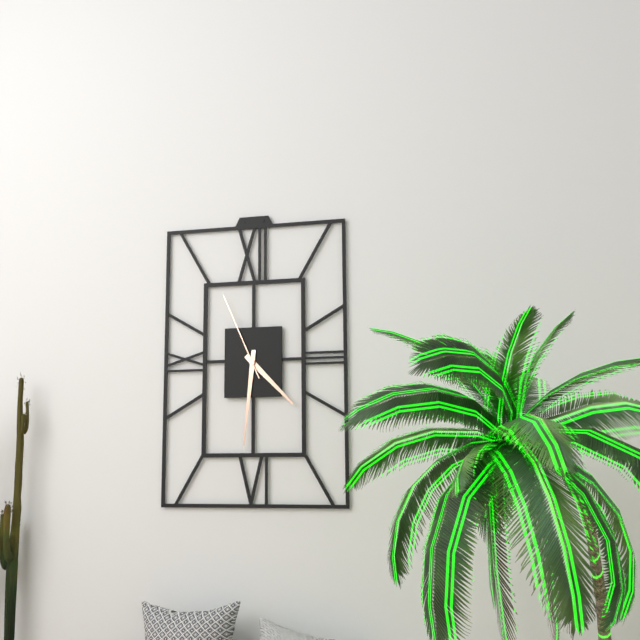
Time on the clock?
4:31:56
